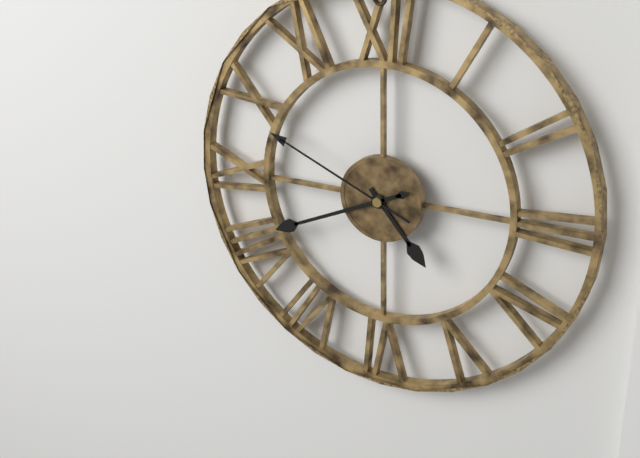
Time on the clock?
4:41:49
